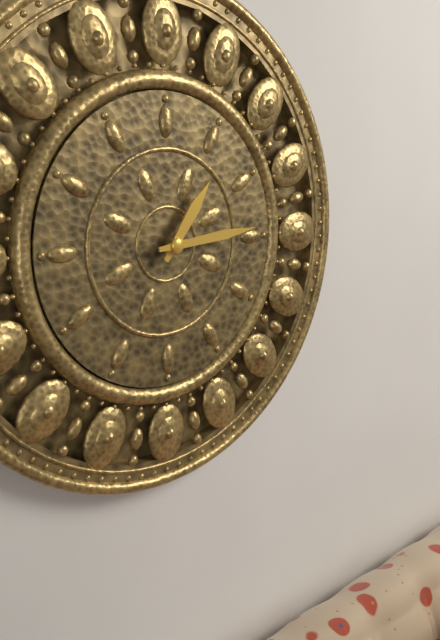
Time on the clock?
1:14
